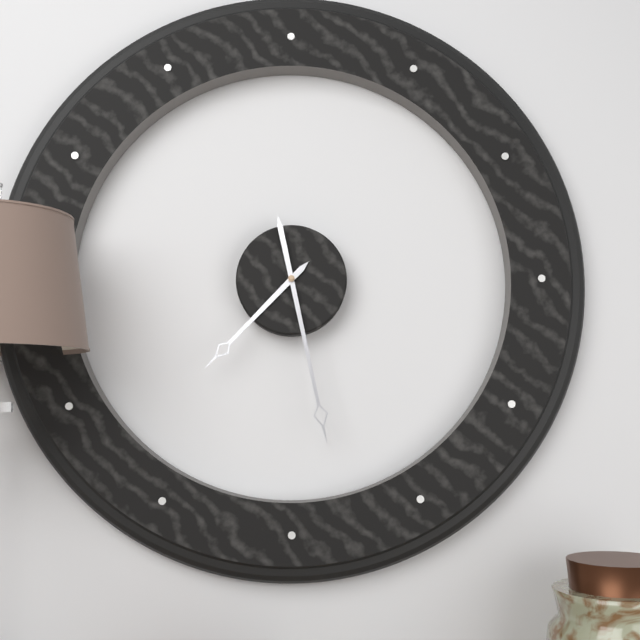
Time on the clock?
7:28
